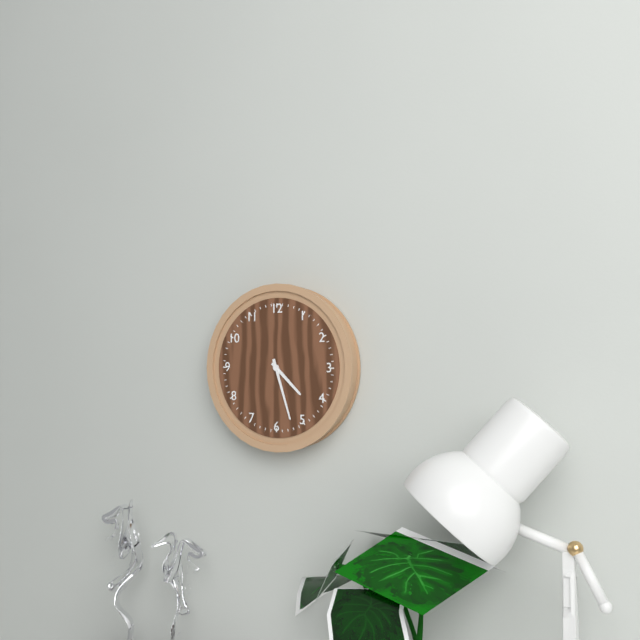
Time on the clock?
4:27
